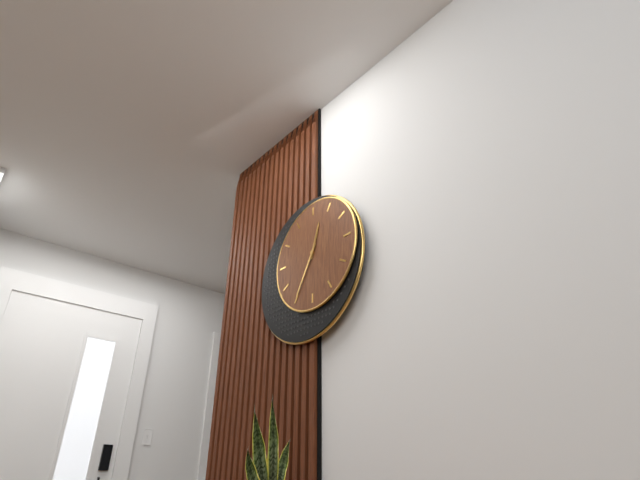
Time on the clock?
12:35
